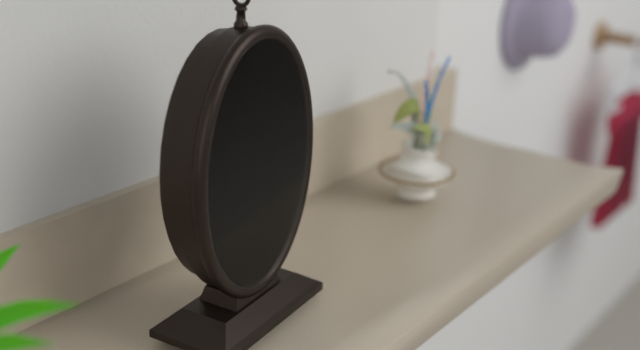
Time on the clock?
3:27
